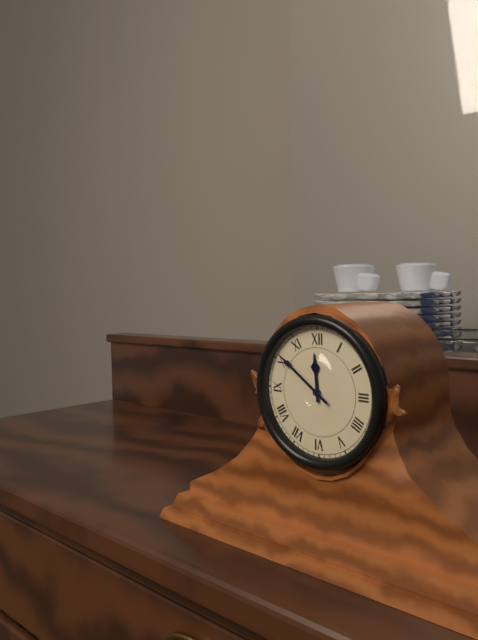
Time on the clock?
11:51
